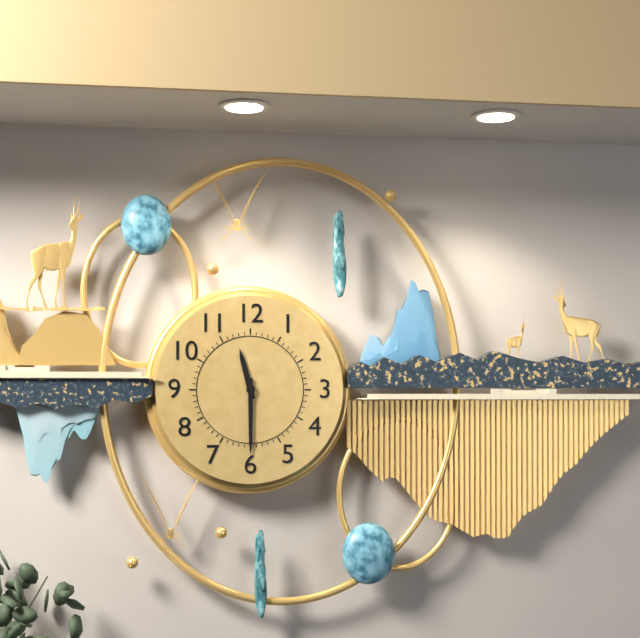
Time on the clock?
11:30
